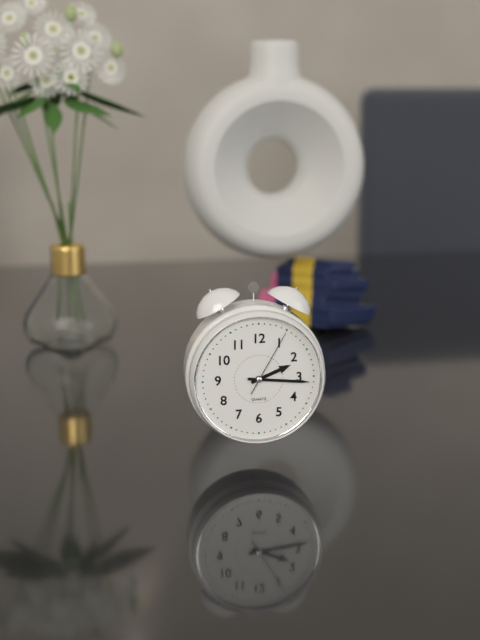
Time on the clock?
2:16:05
